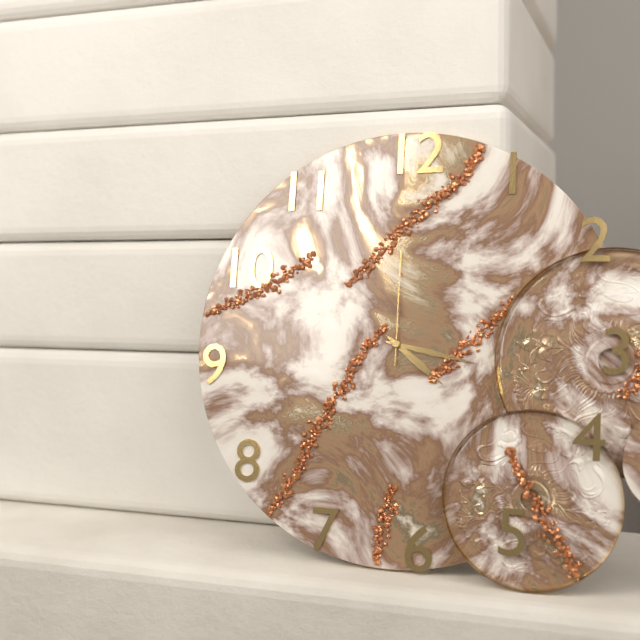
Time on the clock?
4:17:00
